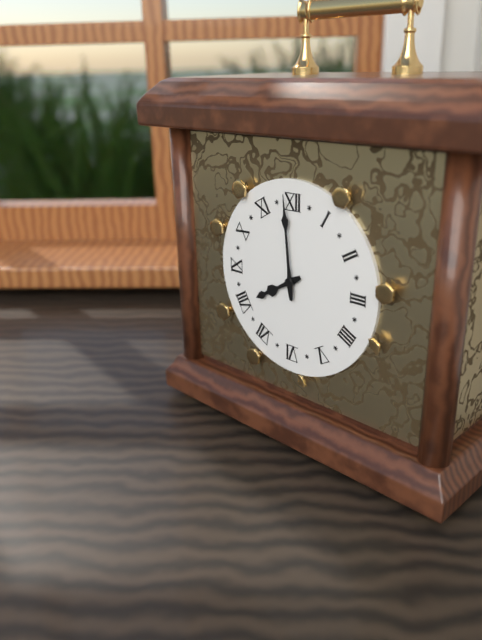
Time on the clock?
7:59
